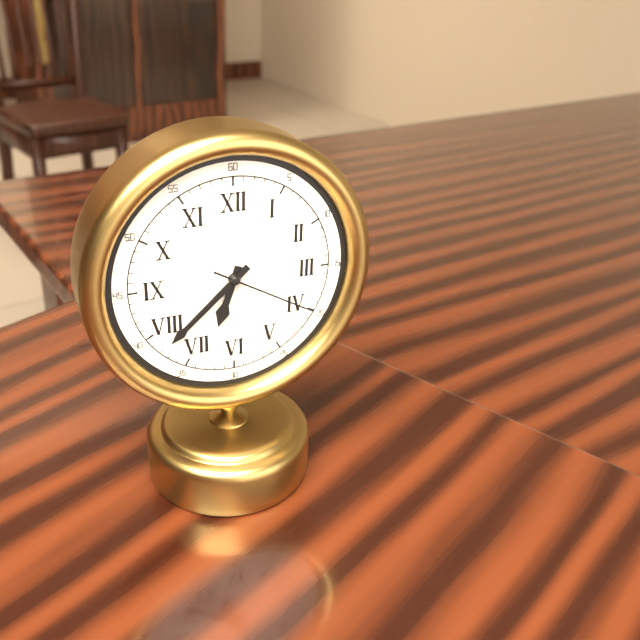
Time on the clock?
6:38:20
